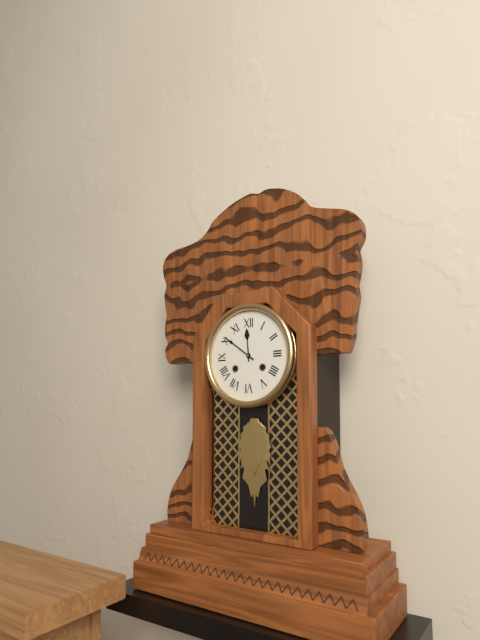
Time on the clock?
11:51
